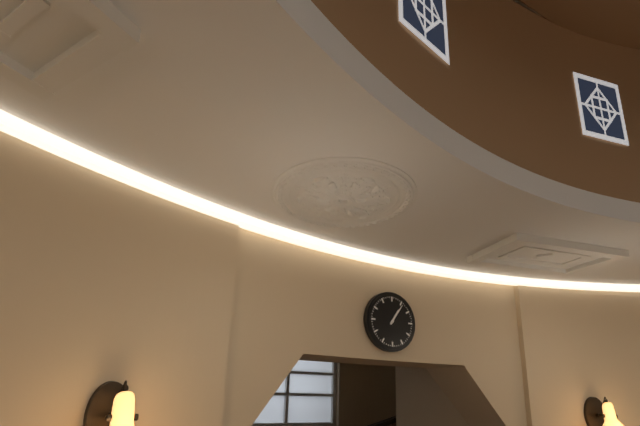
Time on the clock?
1:06
